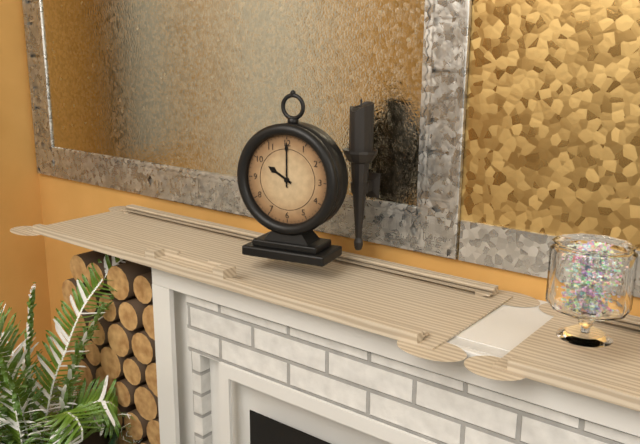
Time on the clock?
10:00
